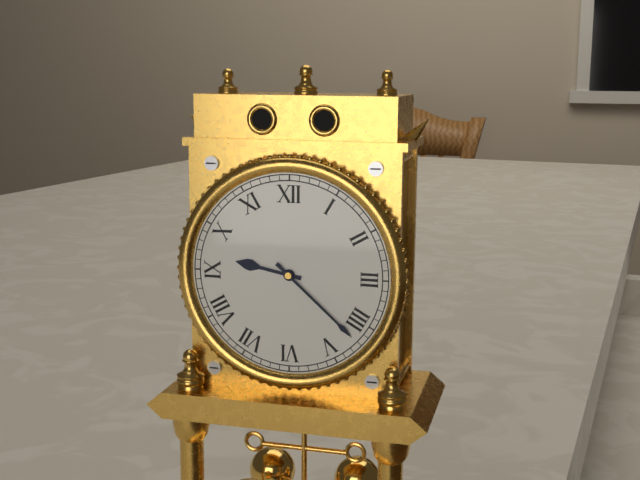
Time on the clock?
9:22
